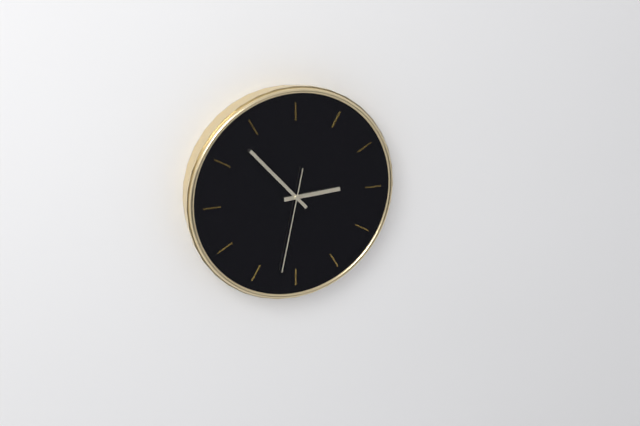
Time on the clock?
2:53:32
